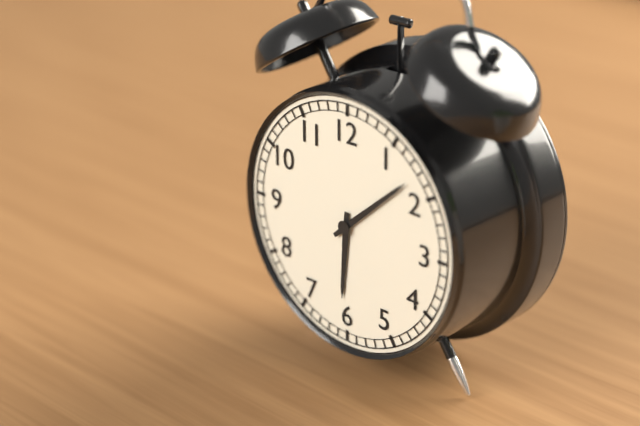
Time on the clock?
6:08
